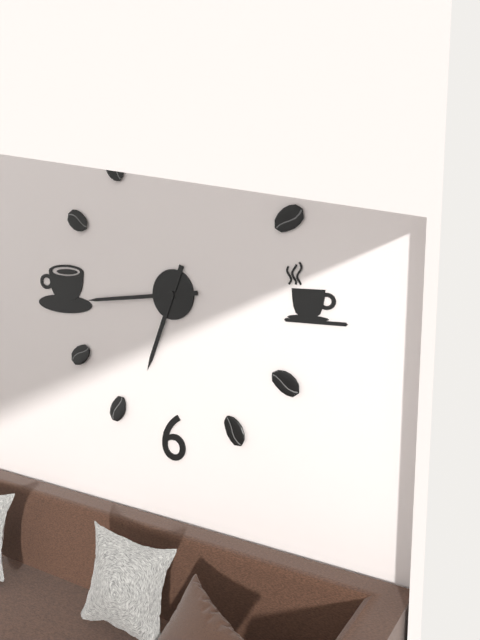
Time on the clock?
6:44
